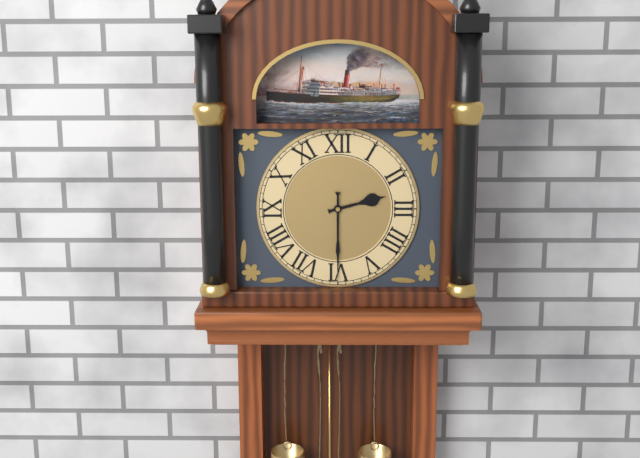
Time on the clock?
2:30
